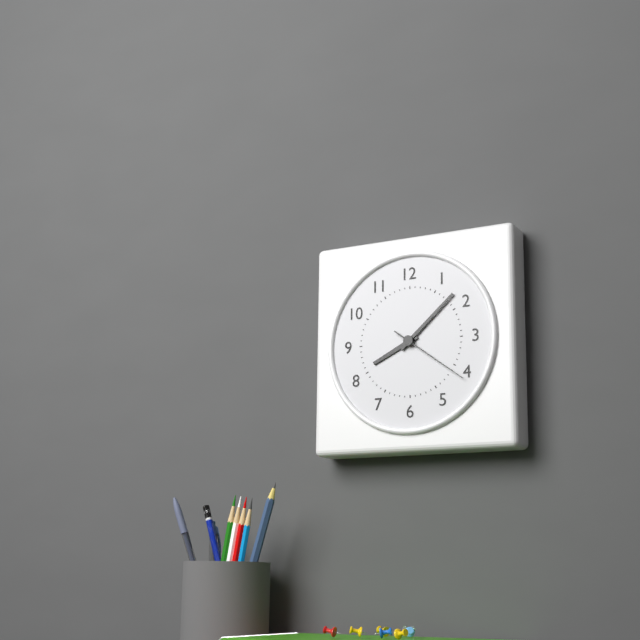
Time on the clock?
8:08:21
